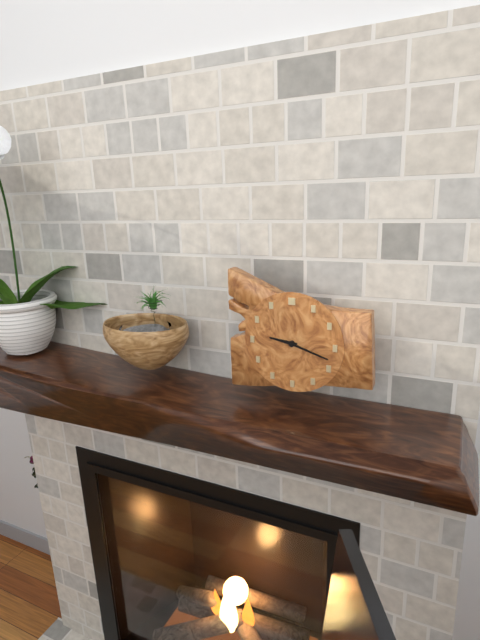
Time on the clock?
9:18
